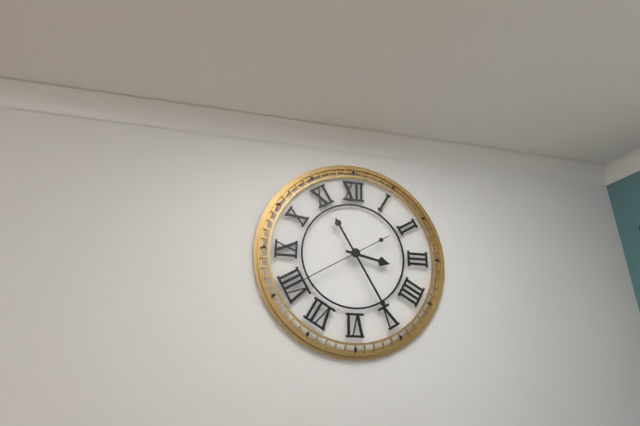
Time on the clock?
3:25:40
